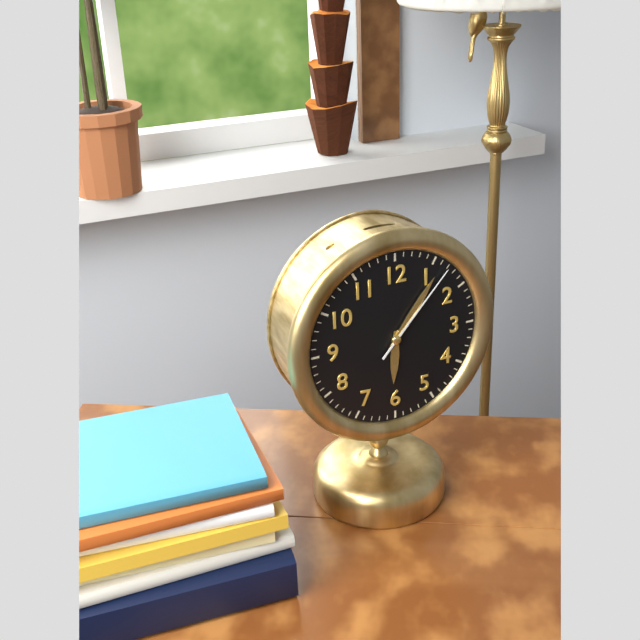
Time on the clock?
6:06:07
